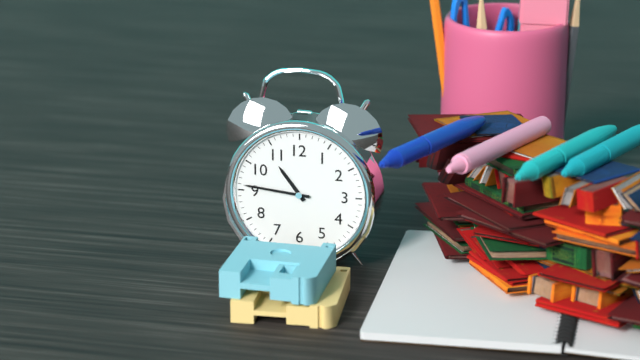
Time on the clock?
10:46
